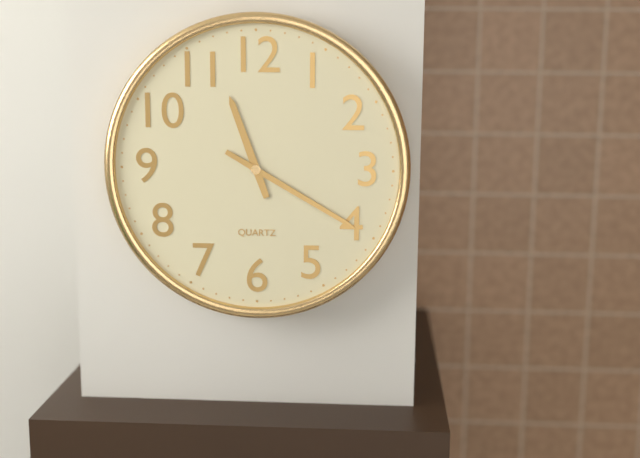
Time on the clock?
11:20
